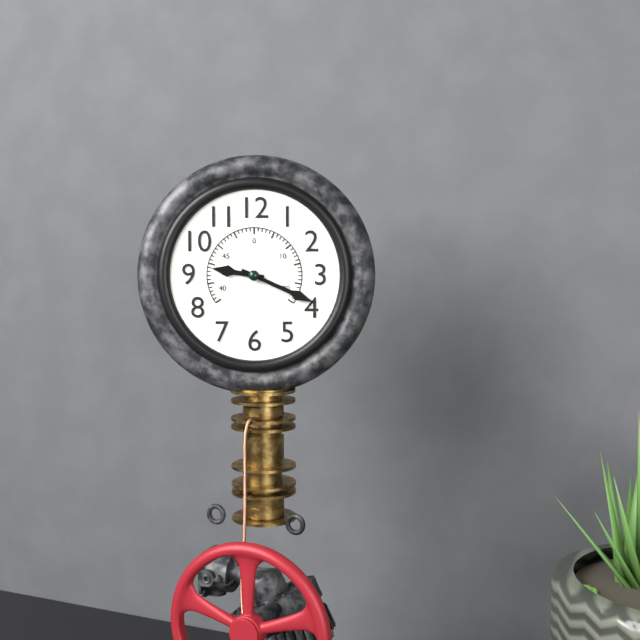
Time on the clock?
9:19
